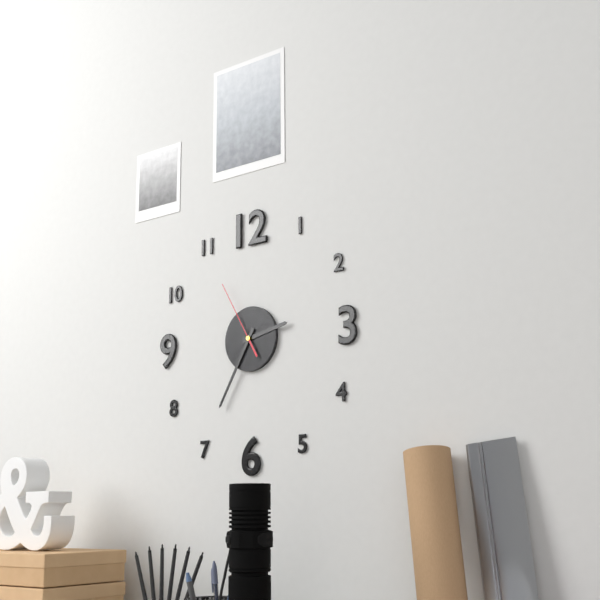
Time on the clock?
2:35:55
